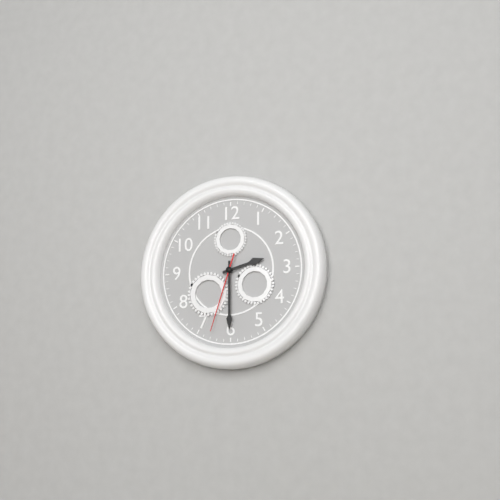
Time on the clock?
2:30:33
